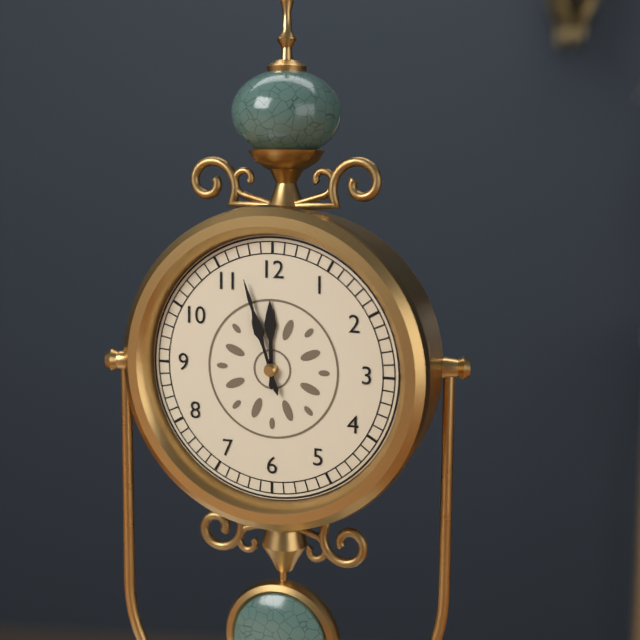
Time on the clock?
11:57
